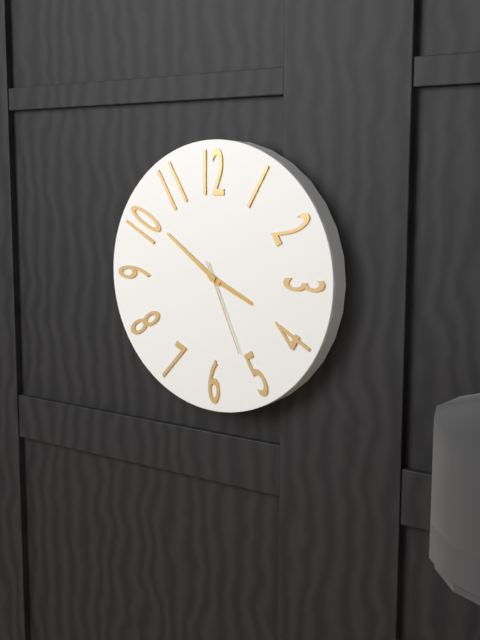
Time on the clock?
3:51:26
